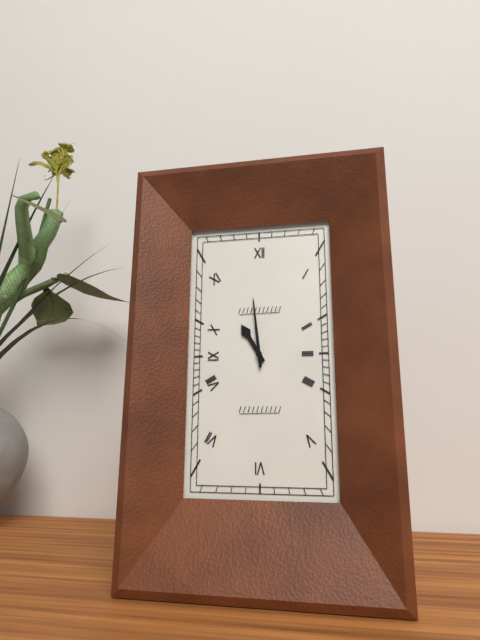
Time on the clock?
10:59
